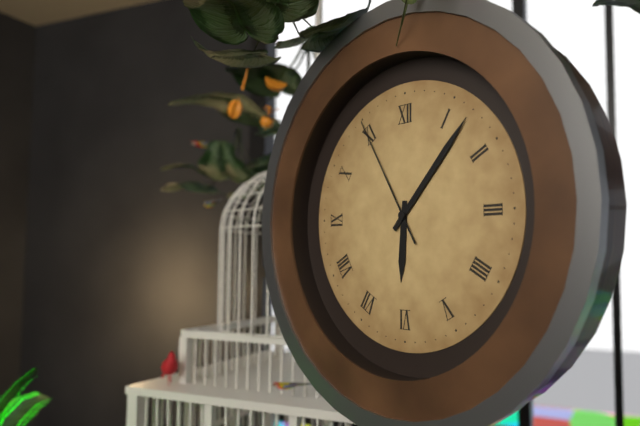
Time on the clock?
6:07:55
